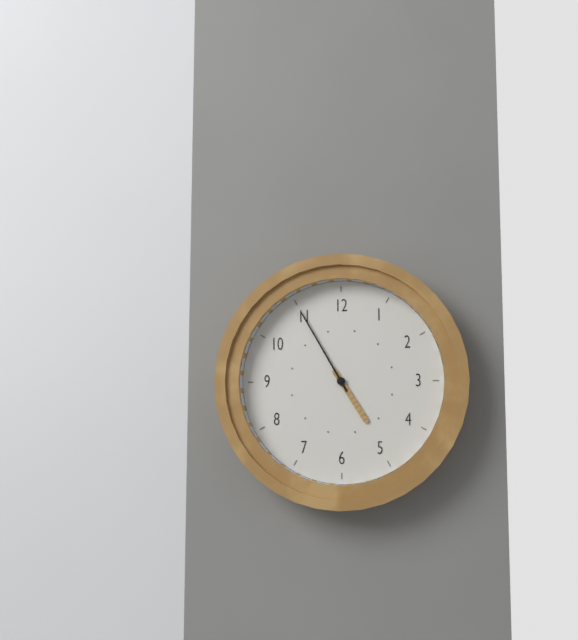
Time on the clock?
4:55
